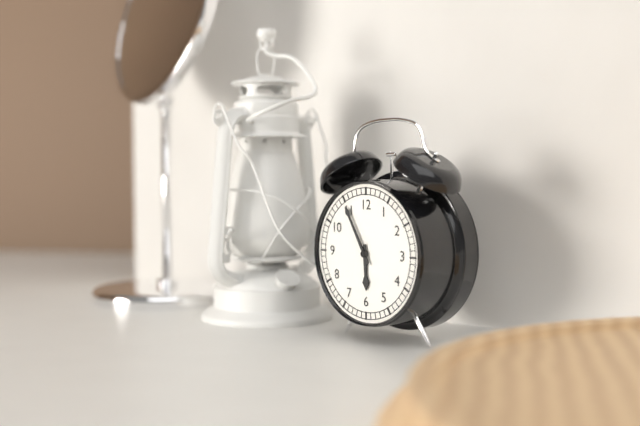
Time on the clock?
5:55
